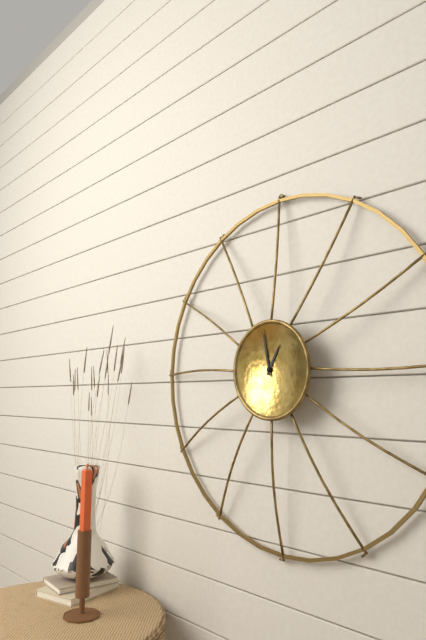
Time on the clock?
12:58
